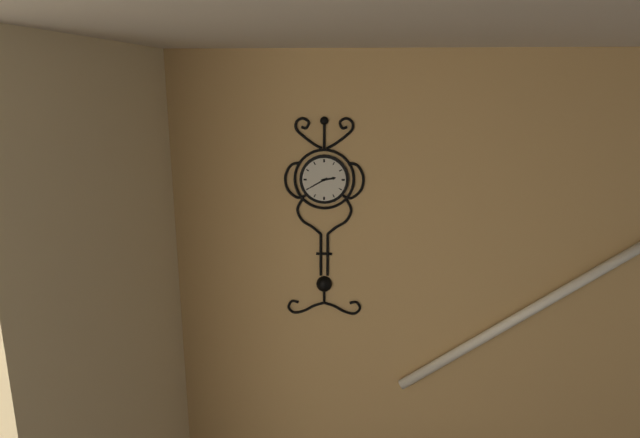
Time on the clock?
2:40
